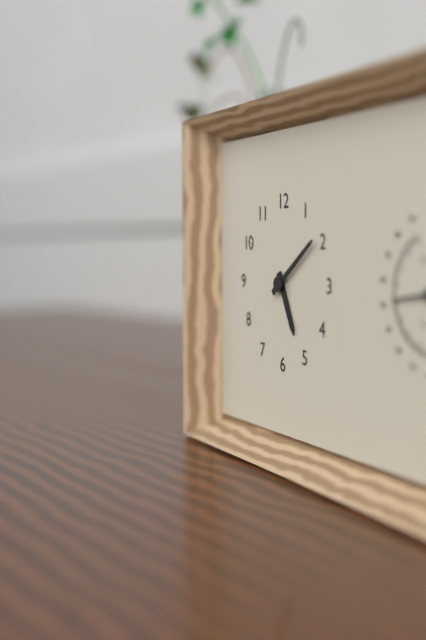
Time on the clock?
5:09
